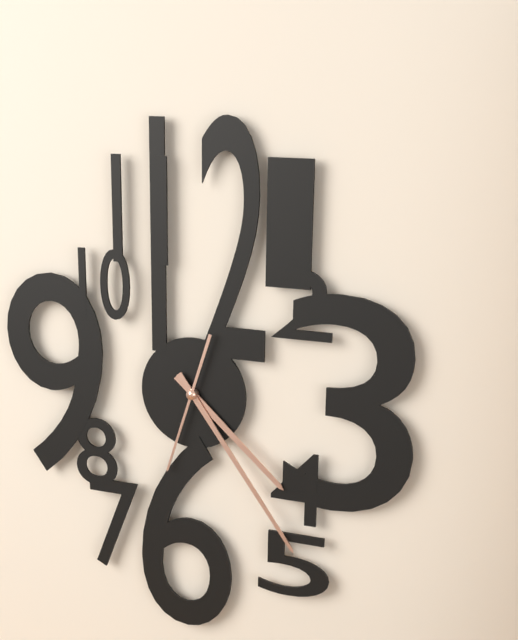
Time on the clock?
4:24:33
